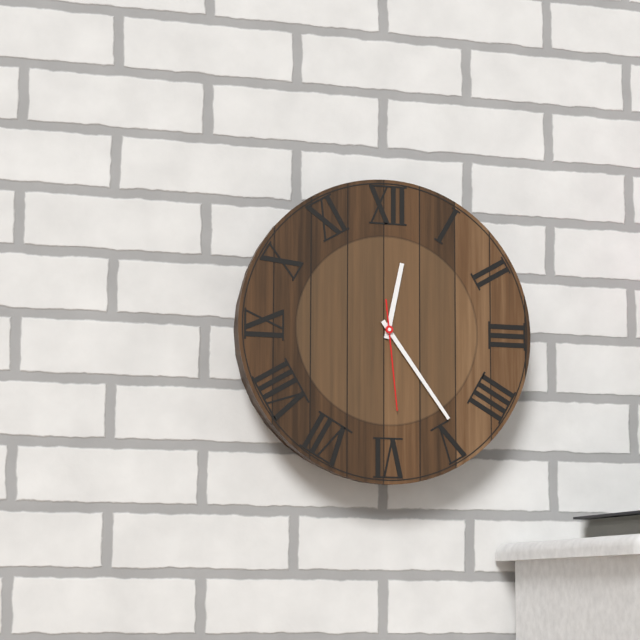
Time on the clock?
12:24:29
